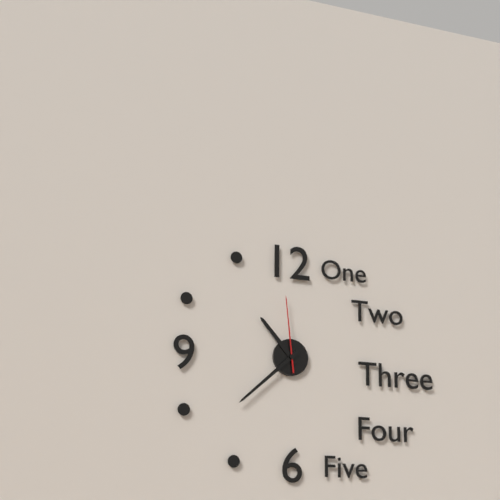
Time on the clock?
10:38:59
